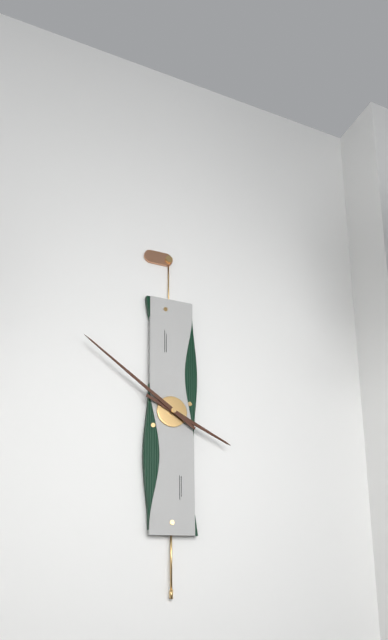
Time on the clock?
3:51
